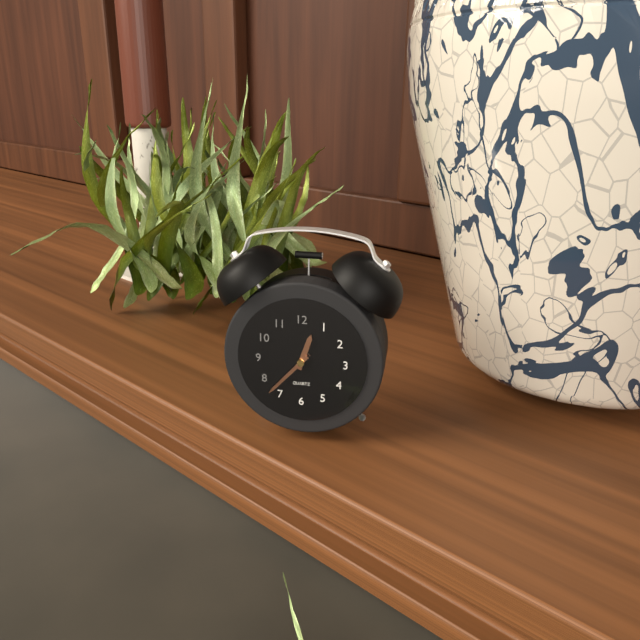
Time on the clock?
12:37
